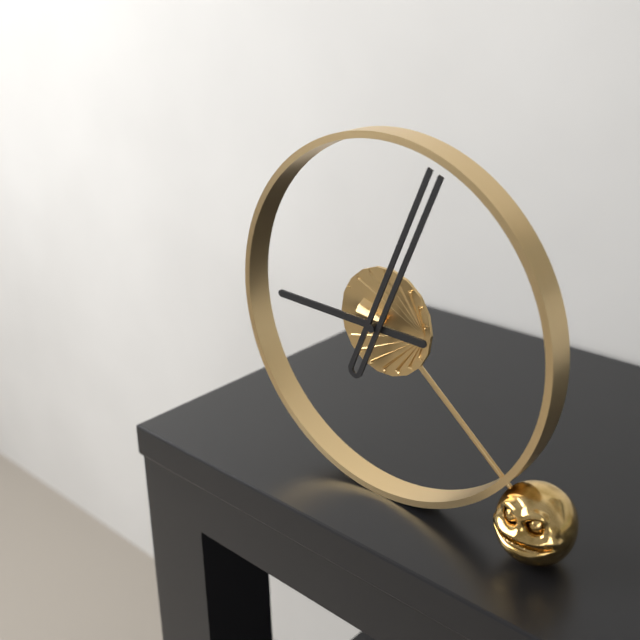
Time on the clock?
9:04
